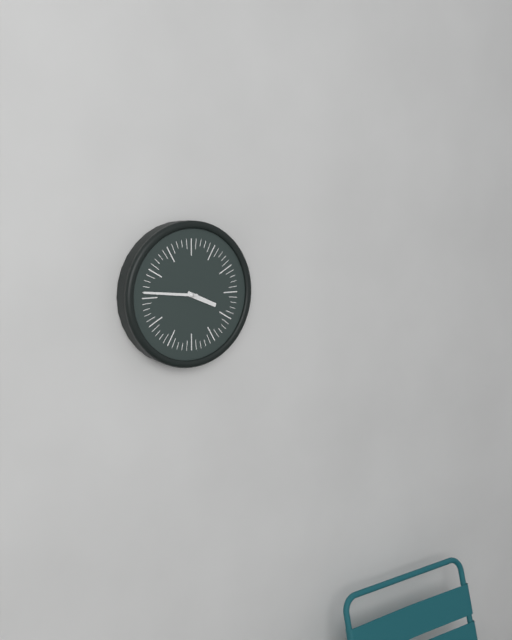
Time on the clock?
3:46
